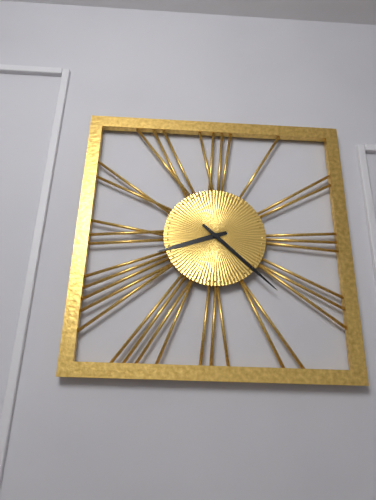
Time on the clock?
8:22
